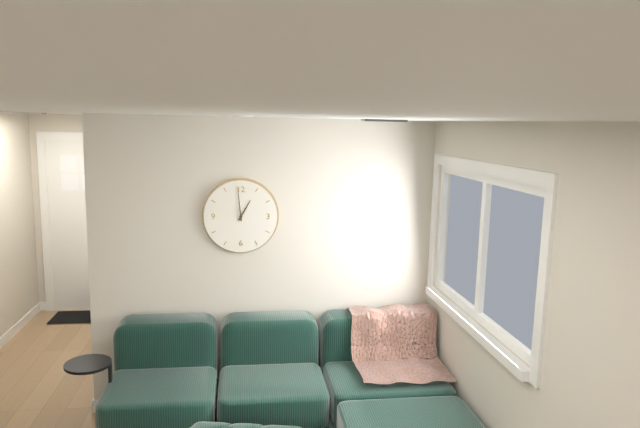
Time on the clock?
12:59
